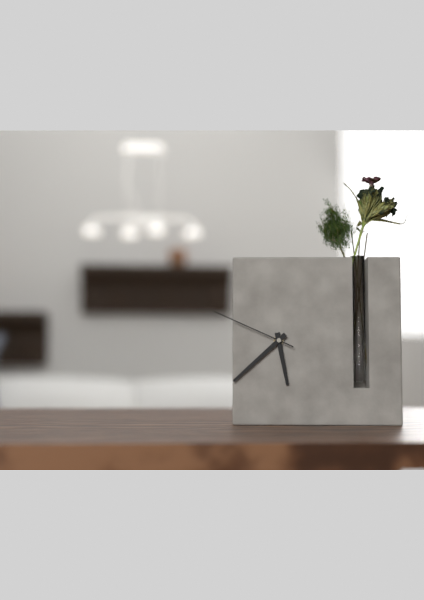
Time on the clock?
5:38:49
